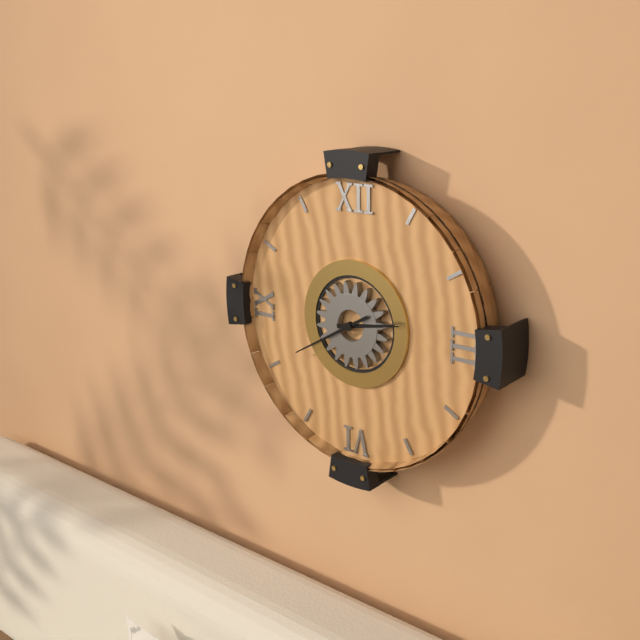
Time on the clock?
2:40
